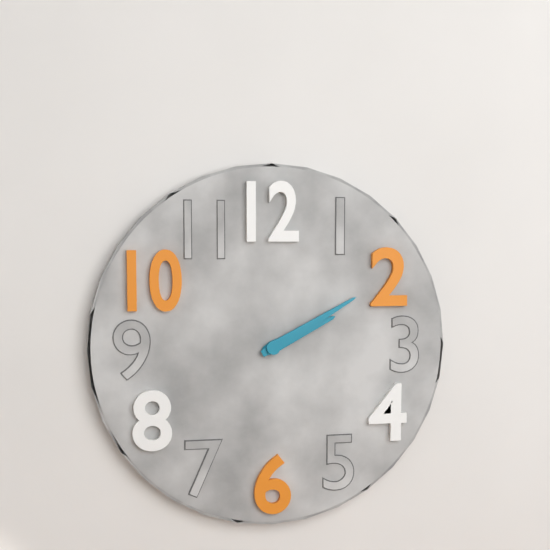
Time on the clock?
2:10
